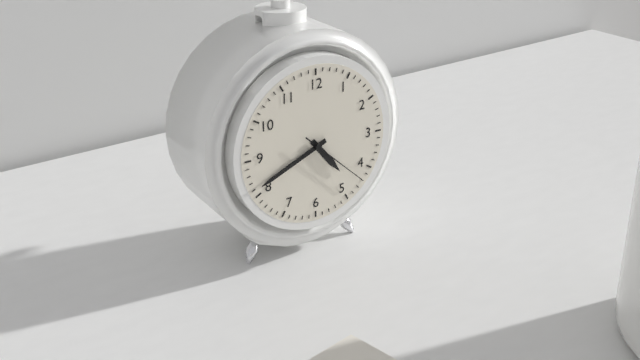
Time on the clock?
4:41:22
